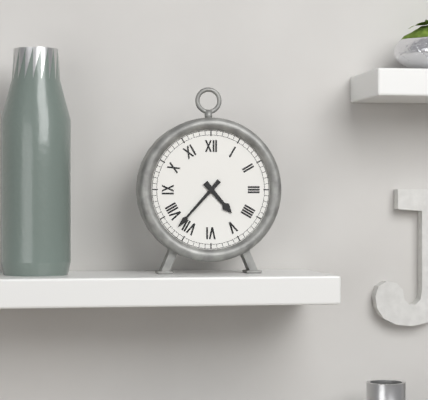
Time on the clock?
4:37
